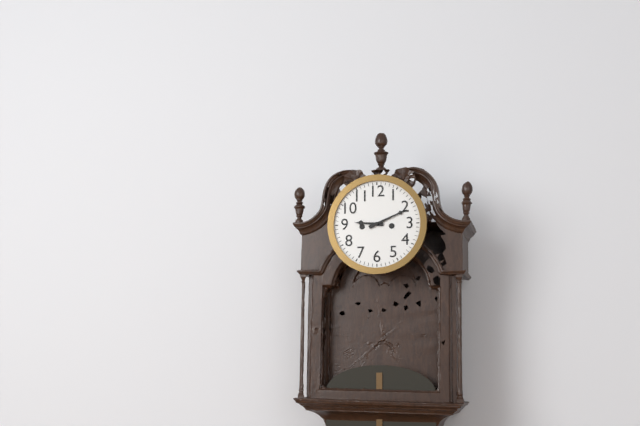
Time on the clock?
9:11
